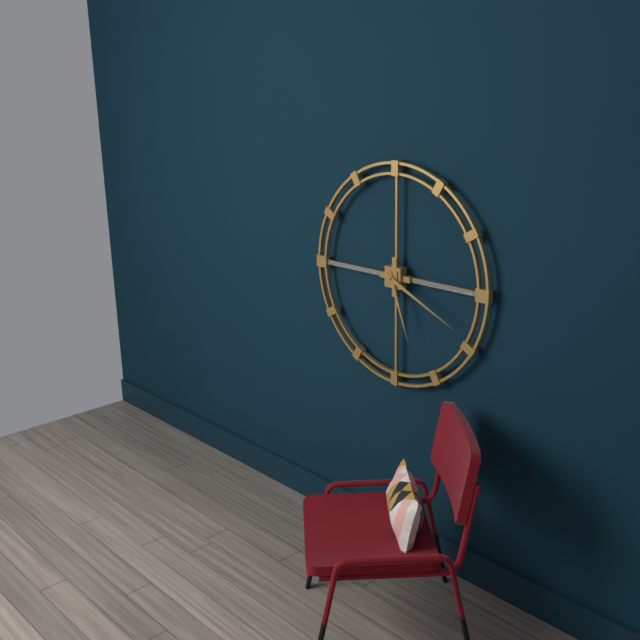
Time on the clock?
5:19
